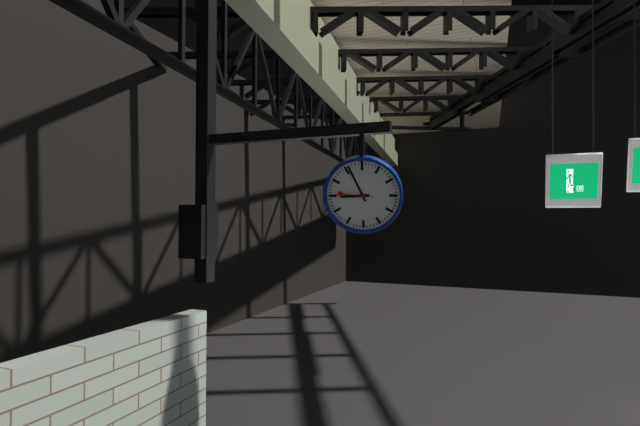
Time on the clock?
8:56
